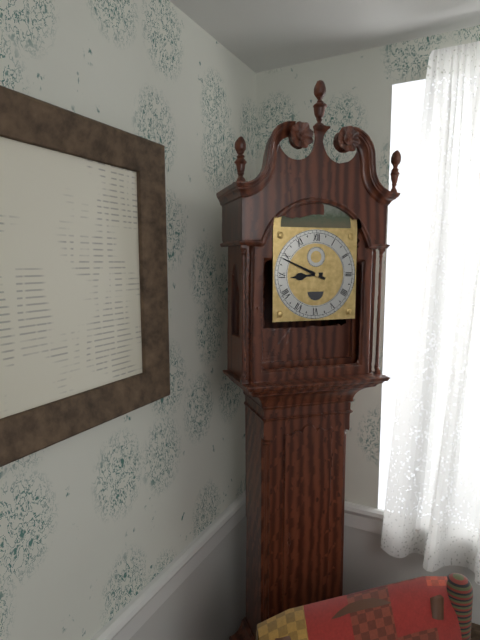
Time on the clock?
8:49
